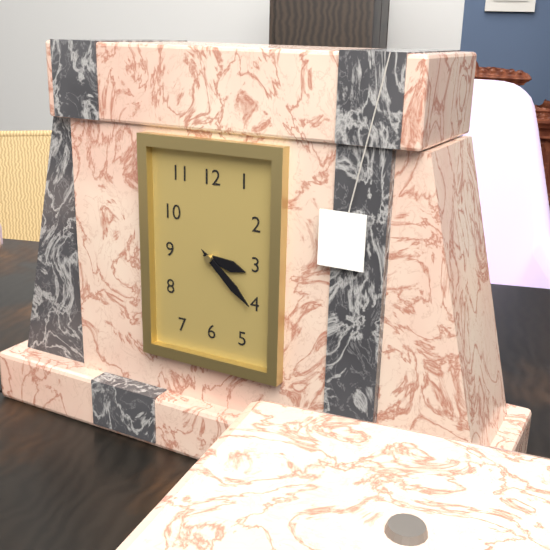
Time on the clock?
3:22
